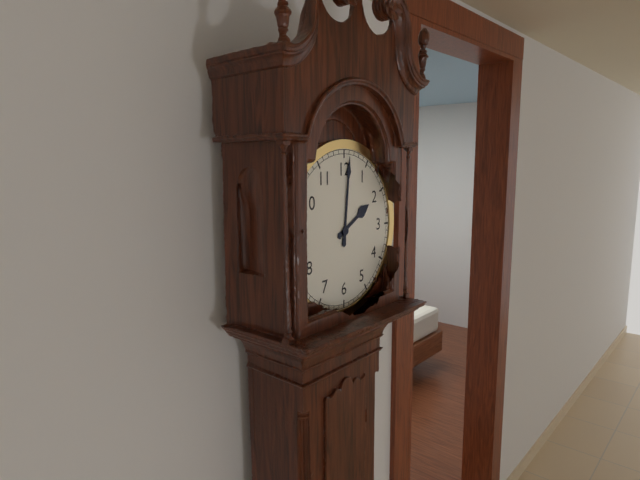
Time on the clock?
2:01
